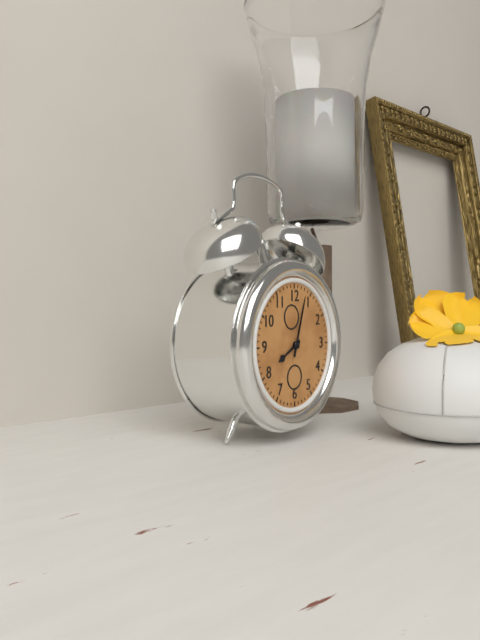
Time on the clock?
8:03
